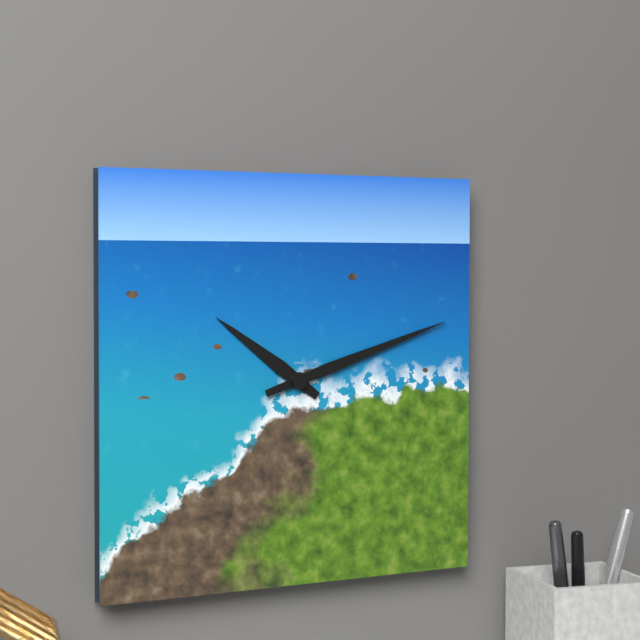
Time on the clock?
10:12
